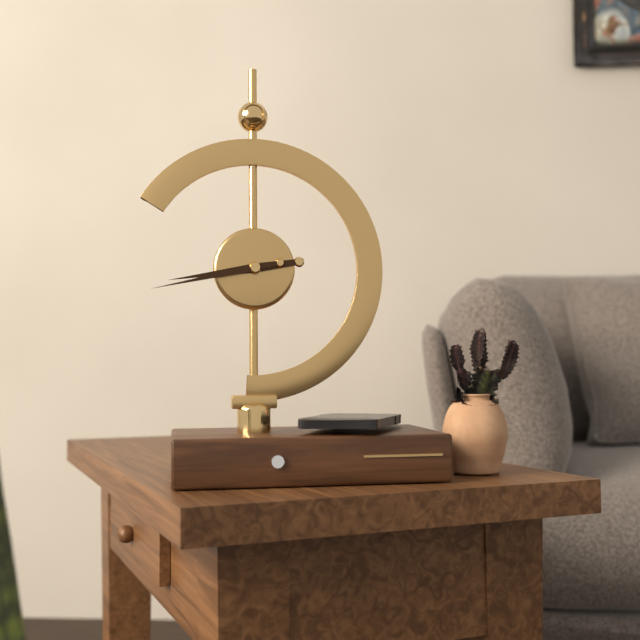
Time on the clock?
8:43
